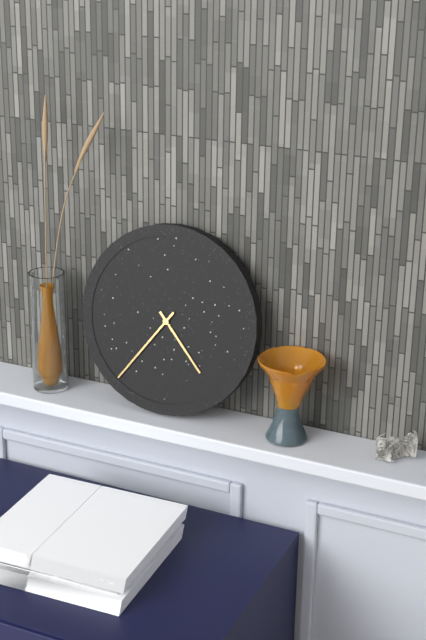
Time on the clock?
4:36
